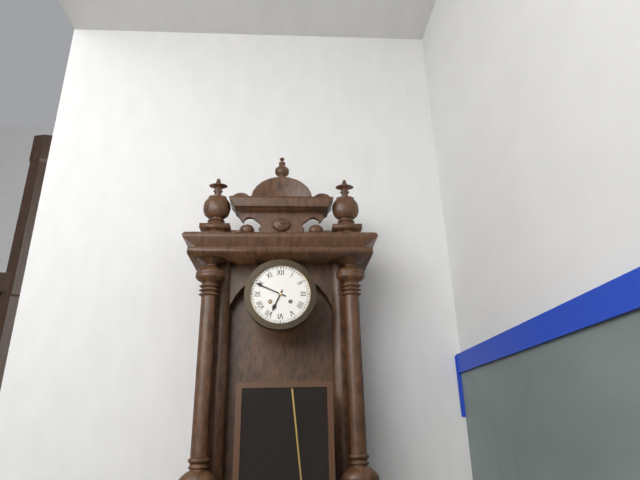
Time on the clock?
6:49
